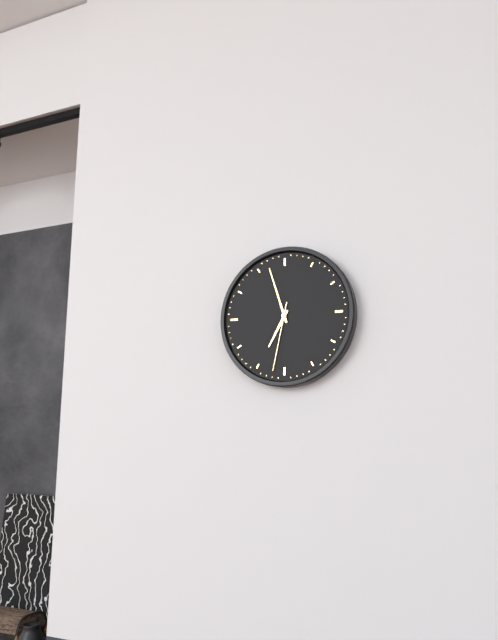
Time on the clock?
6:57:32
